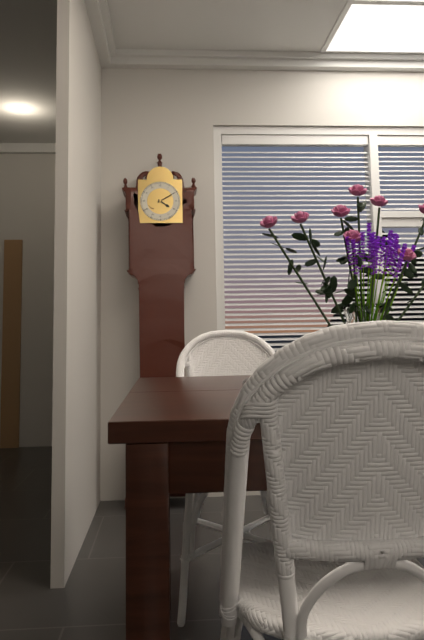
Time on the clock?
4:10
